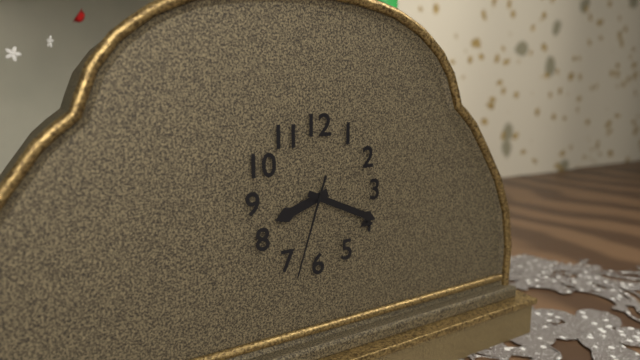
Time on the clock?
8:19:33
